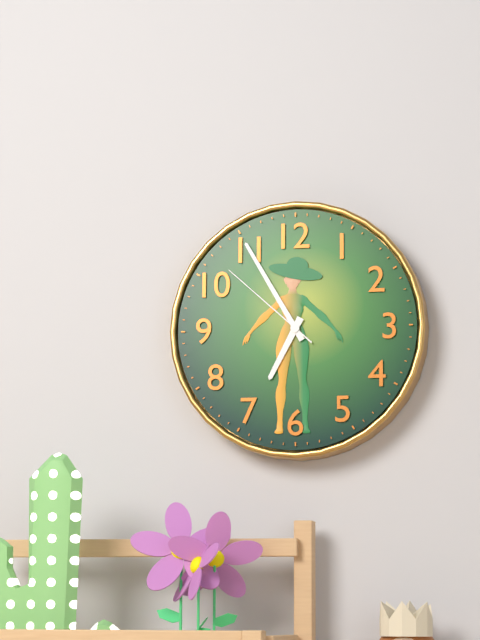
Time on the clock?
6:55:52
